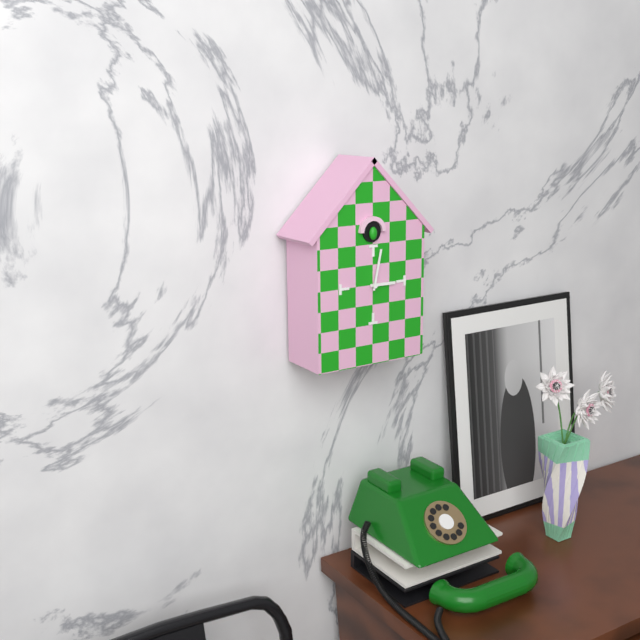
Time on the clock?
3:02
